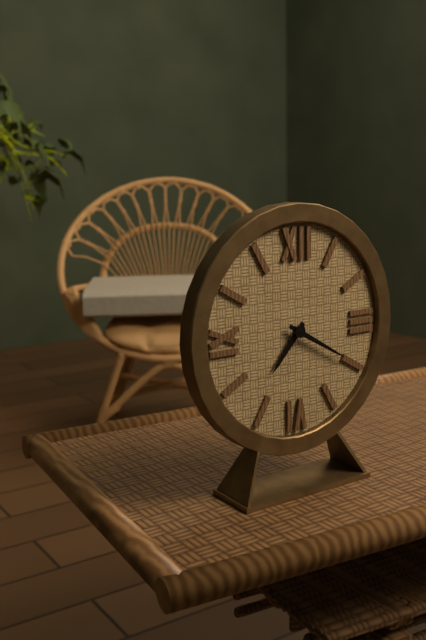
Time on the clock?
7:20
